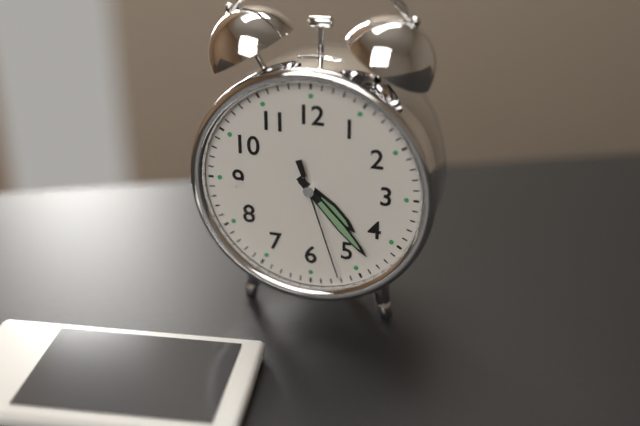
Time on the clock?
4:23:27
